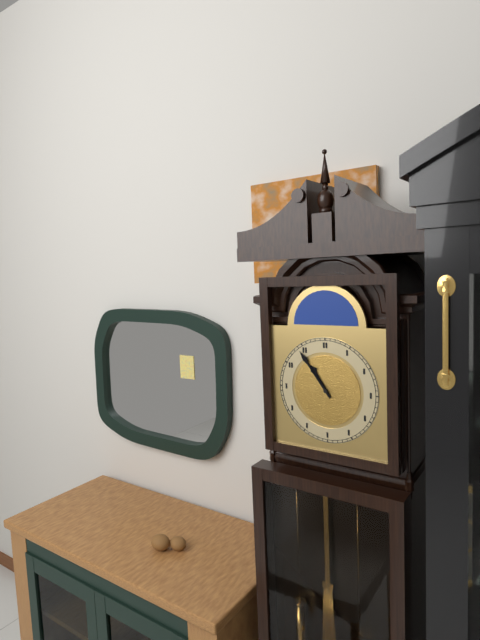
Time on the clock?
10:54
